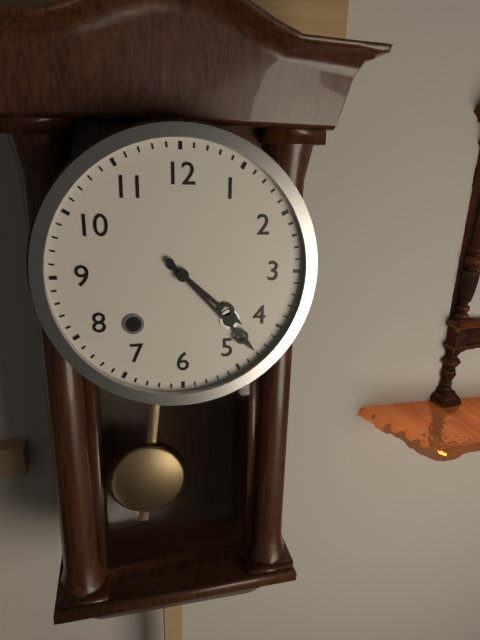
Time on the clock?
4:23
